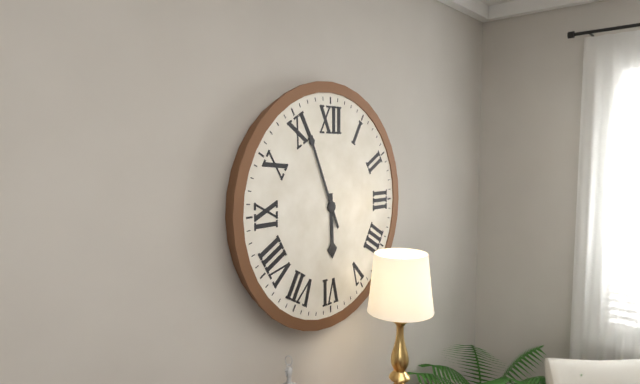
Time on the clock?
5:56
